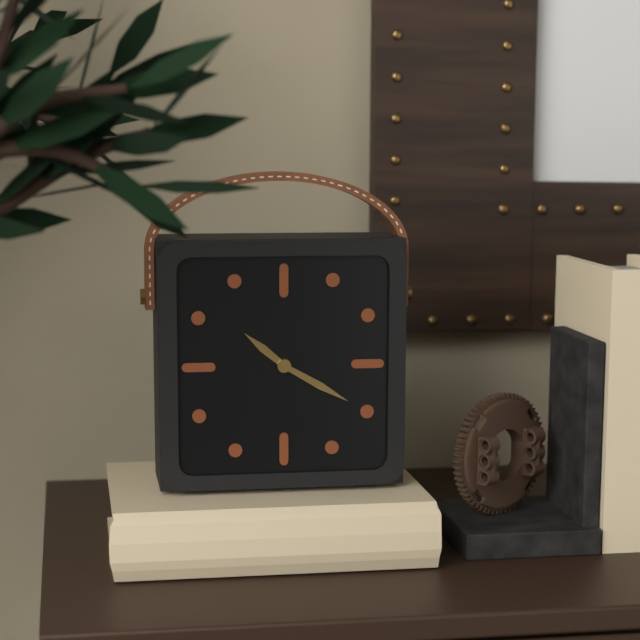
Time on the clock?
10:20
